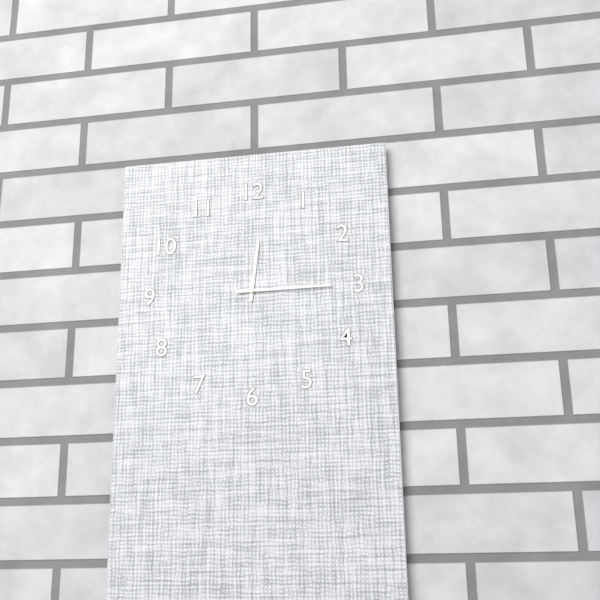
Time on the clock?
12:15
